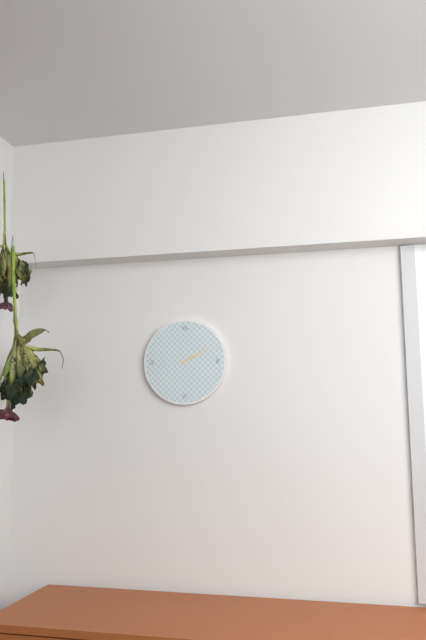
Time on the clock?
2:10
